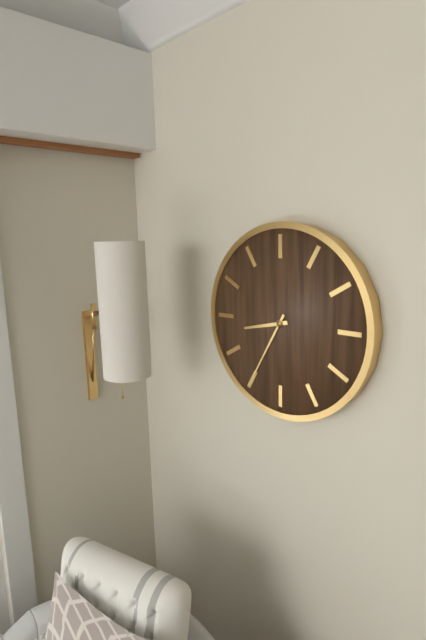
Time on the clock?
8:35
